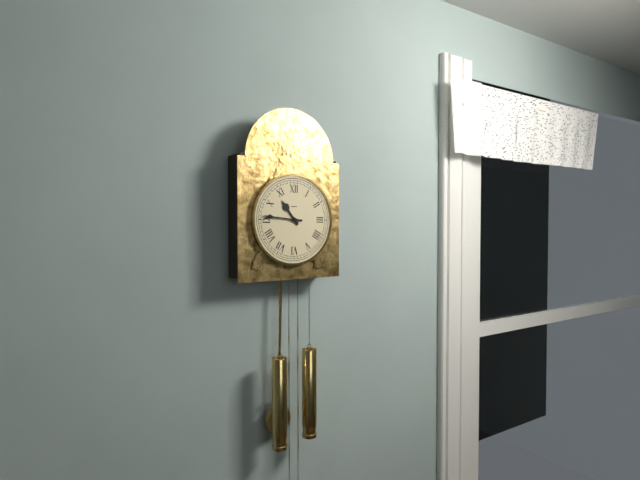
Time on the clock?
10:46
